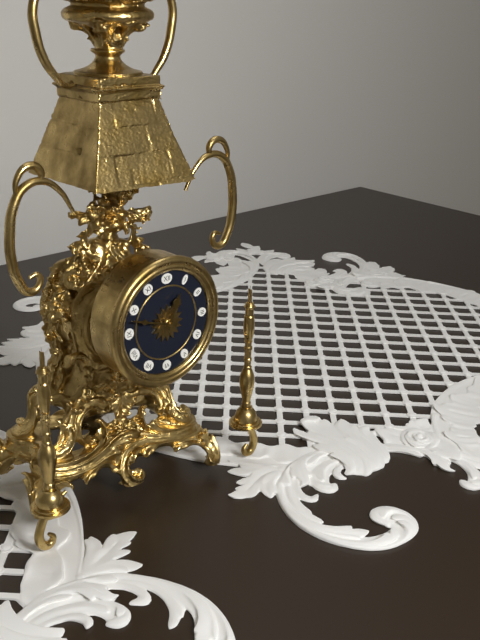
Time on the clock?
12:48
